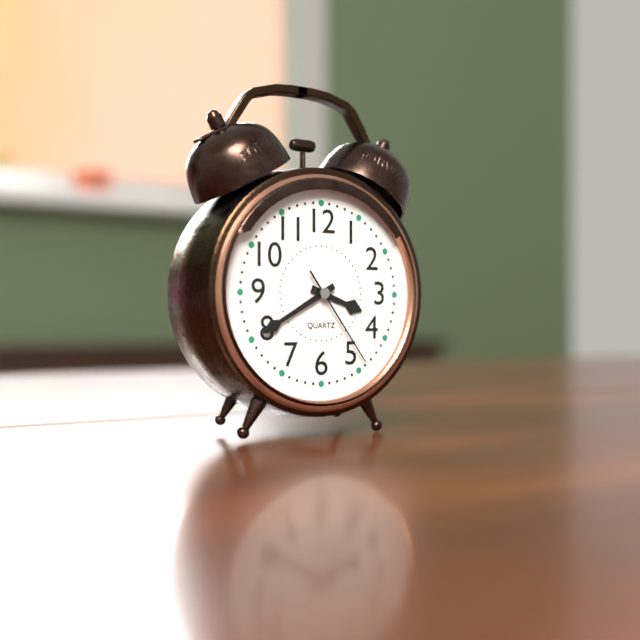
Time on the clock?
3:40:24
